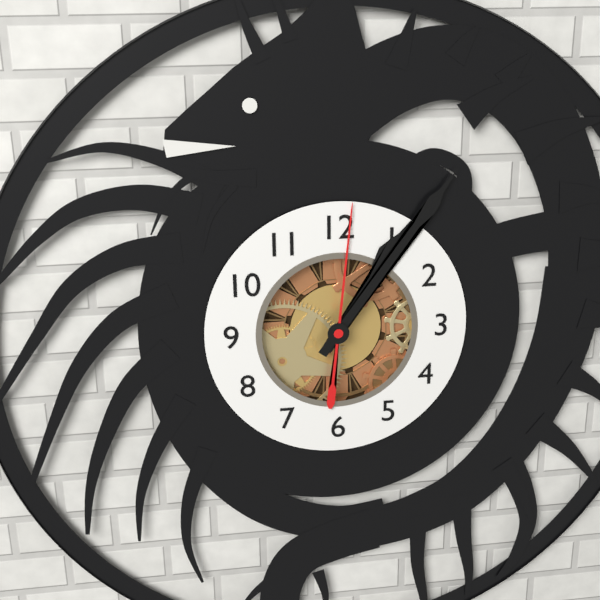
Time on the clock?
1:06:01
